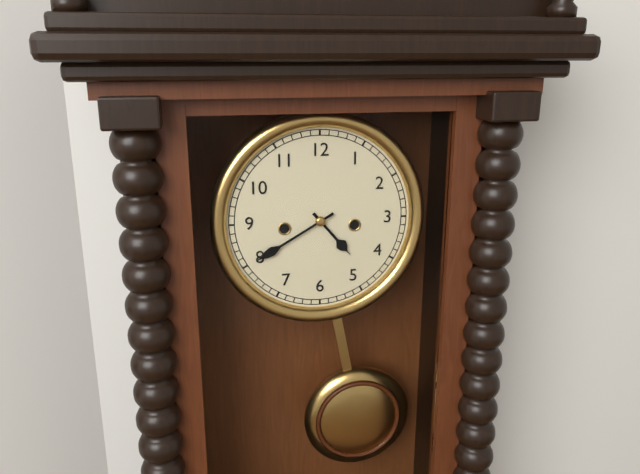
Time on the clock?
4:40
